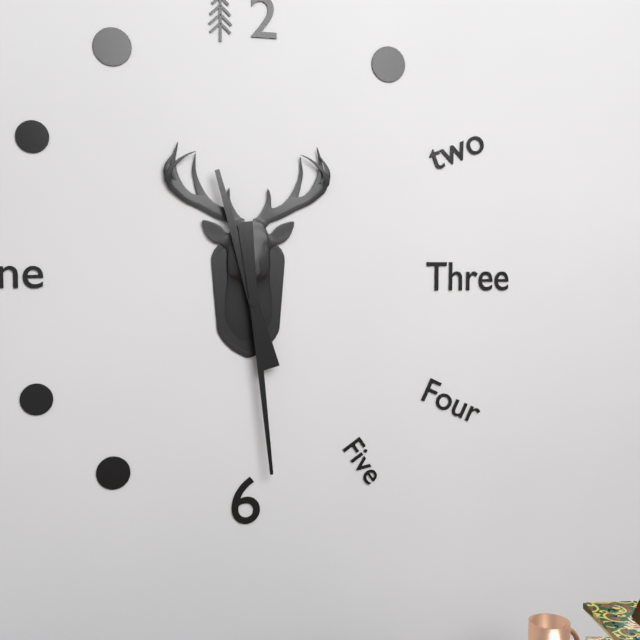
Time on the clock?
11:29
